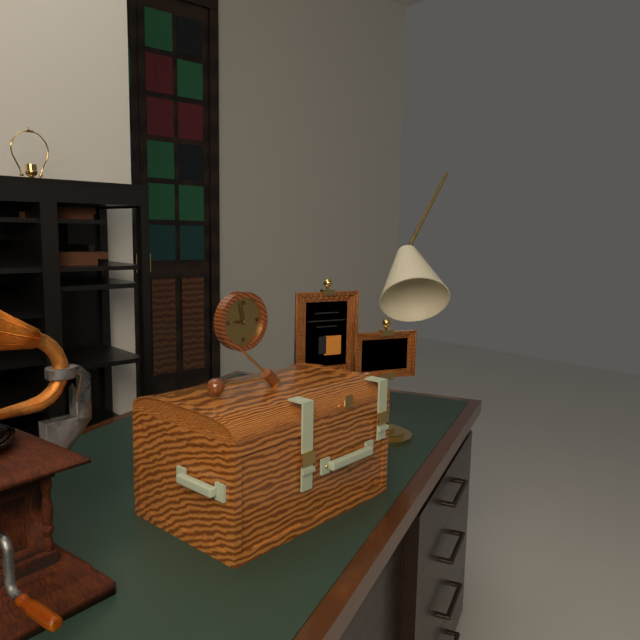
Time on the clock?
8:58
